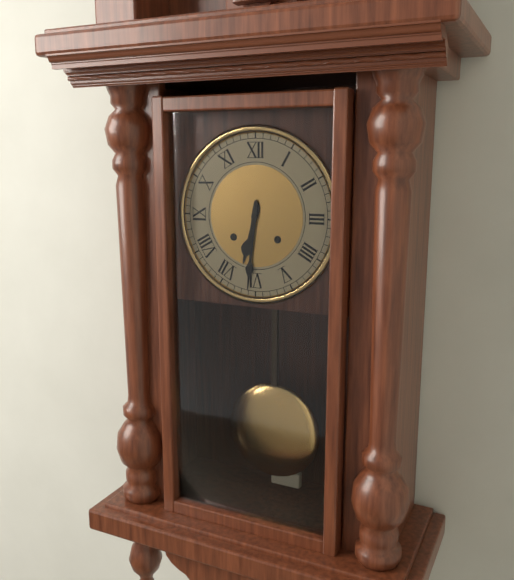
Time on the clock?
6:31
